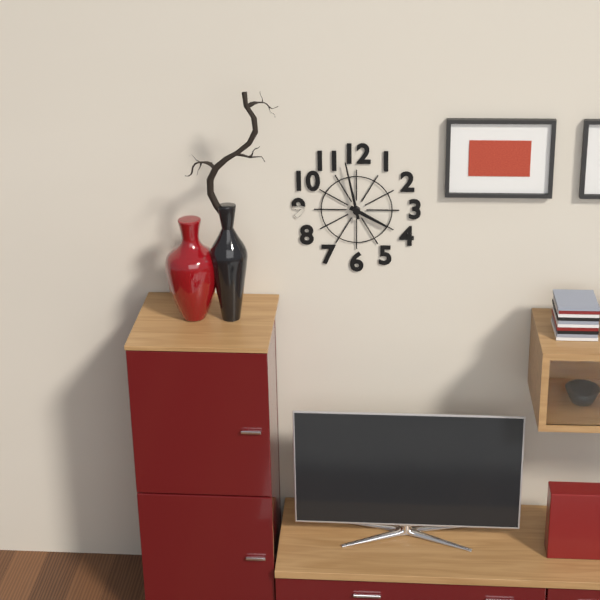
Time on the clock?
3:58
